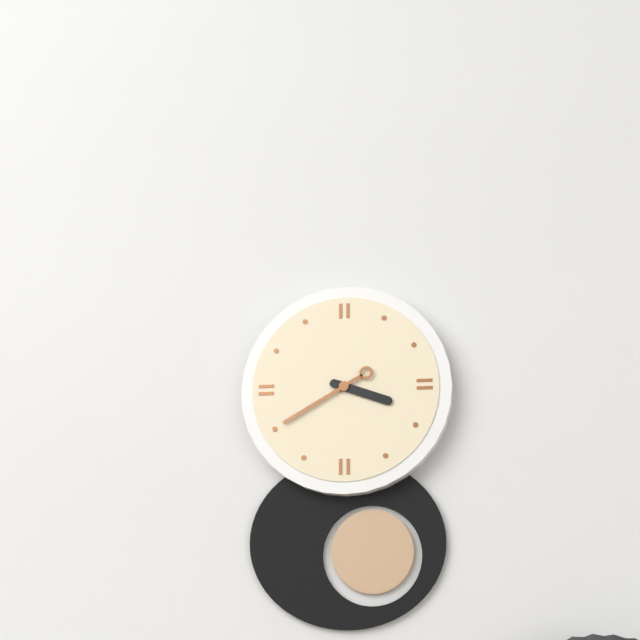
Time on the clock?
3:40
